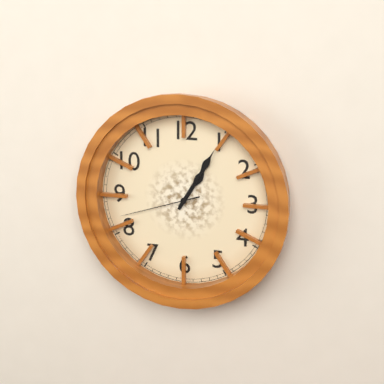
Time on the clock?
1:05:42
